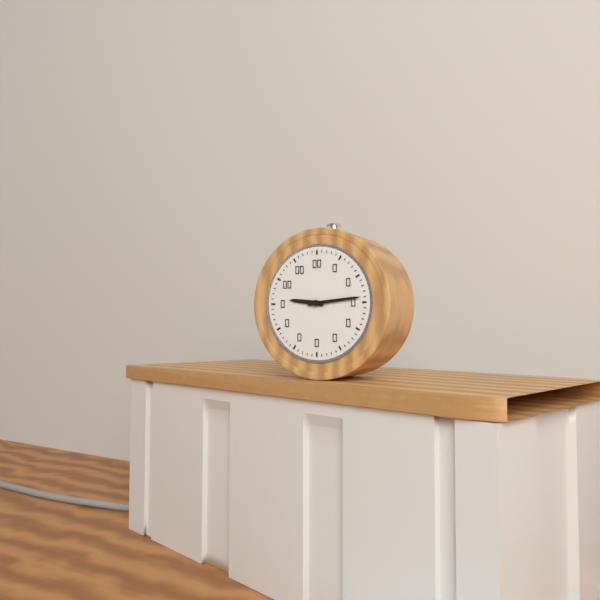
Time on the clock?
9:14
